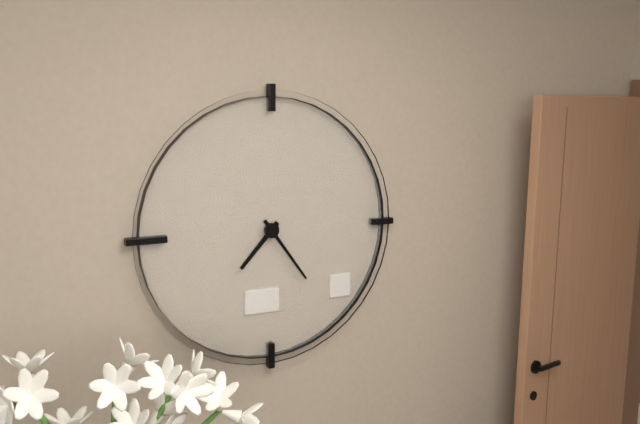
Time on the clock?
7:24
